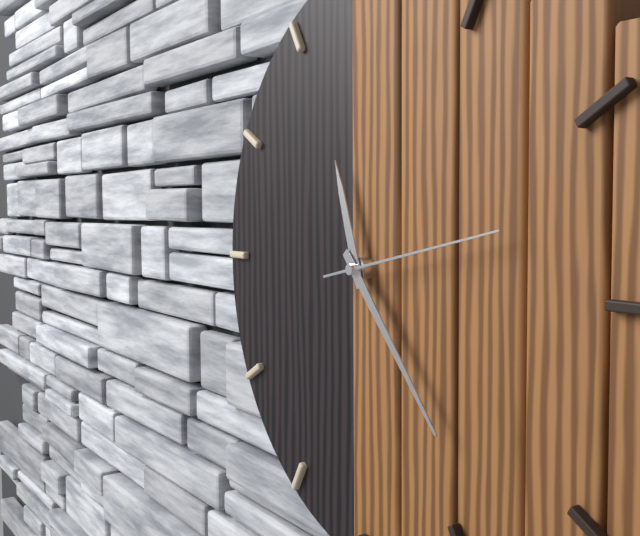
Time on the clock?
11:23:13
